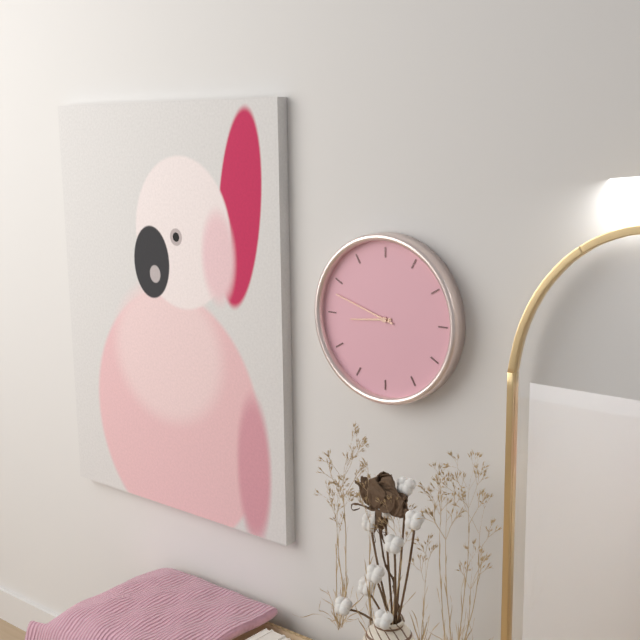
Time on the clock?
8:48
